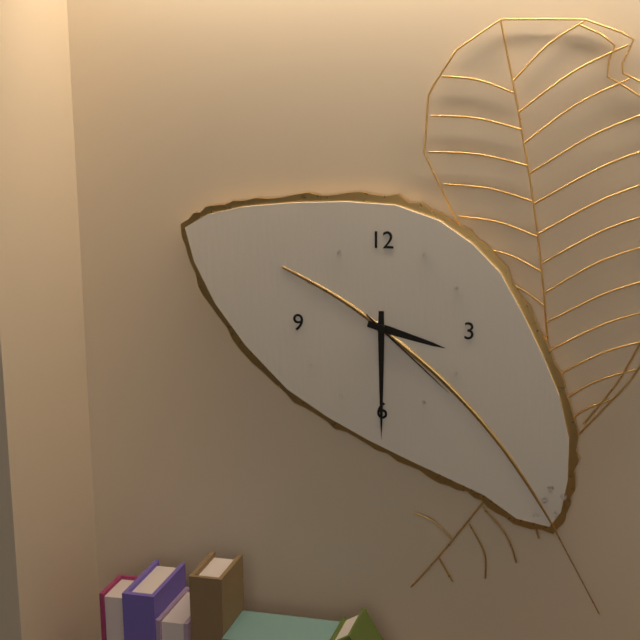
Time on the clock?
3:30:22
